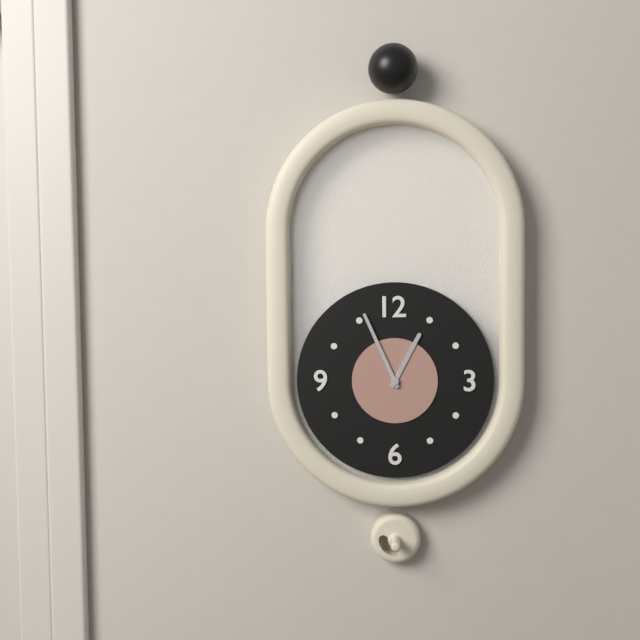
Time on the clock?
12:56
